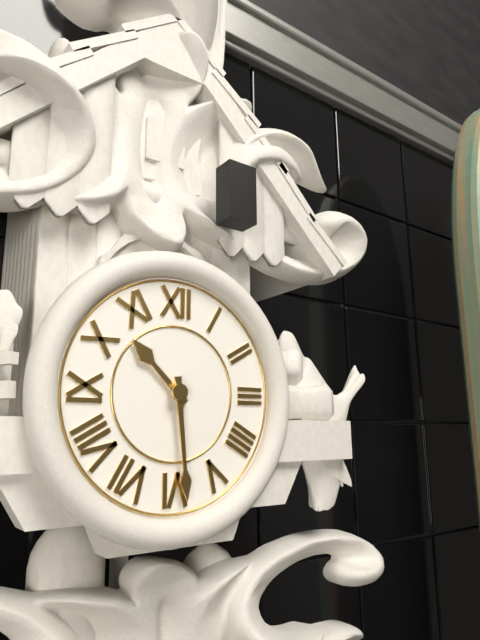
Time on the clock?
10:29
